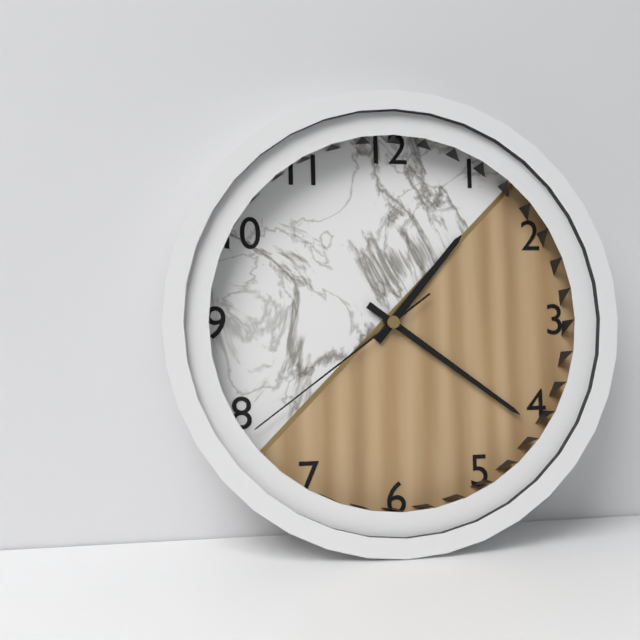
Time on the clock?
1:21:39
